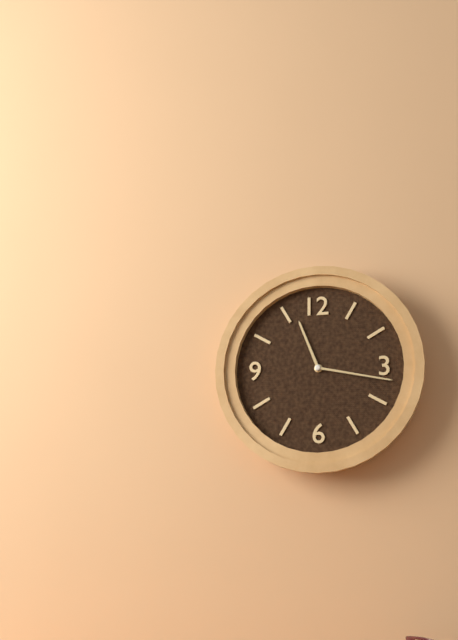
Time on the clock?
11:17
